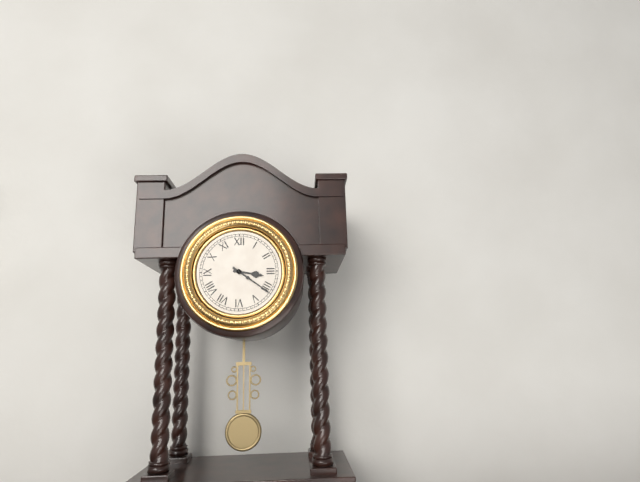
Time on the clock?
3:21
